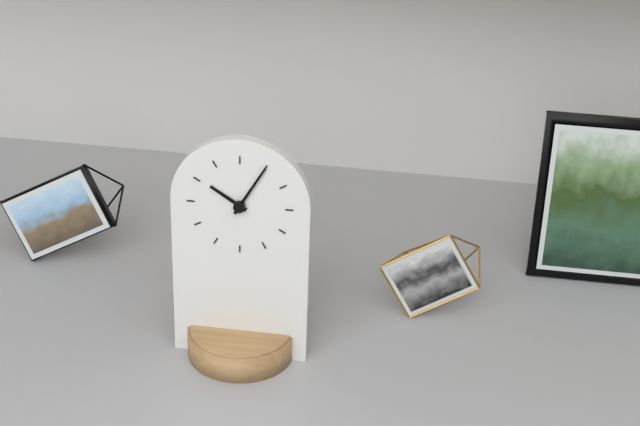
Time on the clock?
10:05
